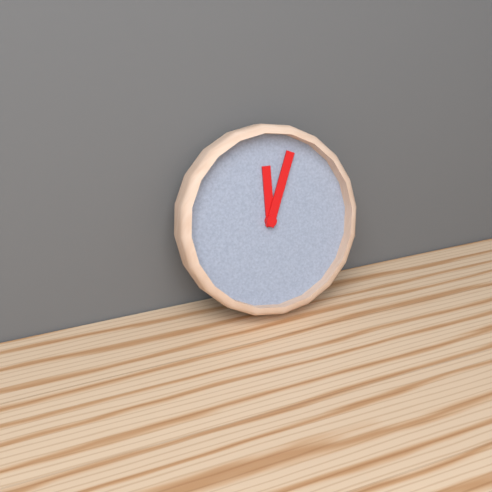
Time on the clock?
12:04
